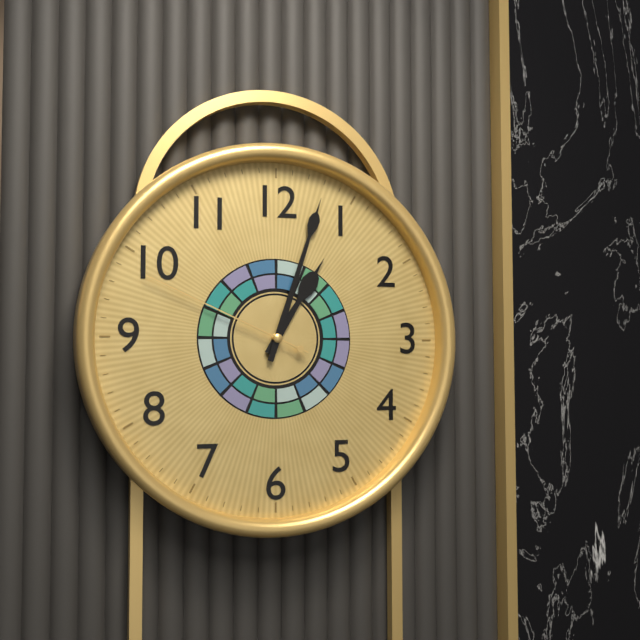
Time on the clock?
1:03:49
